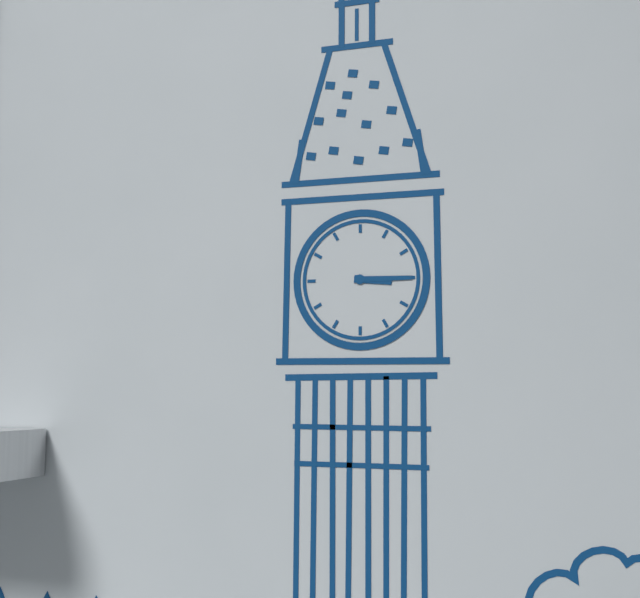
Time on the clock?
3:15
